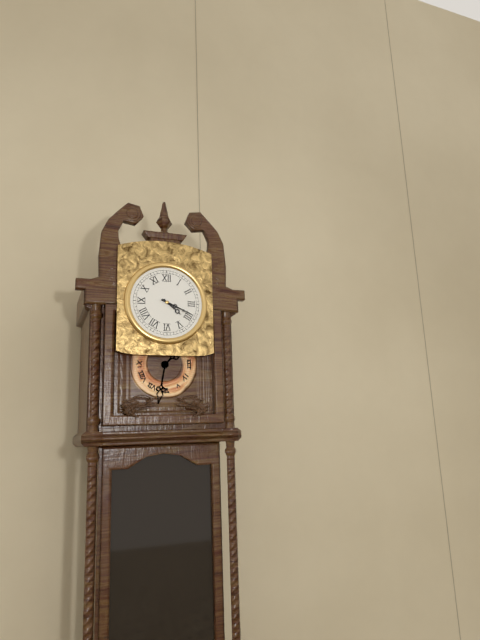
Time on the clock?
4:19
